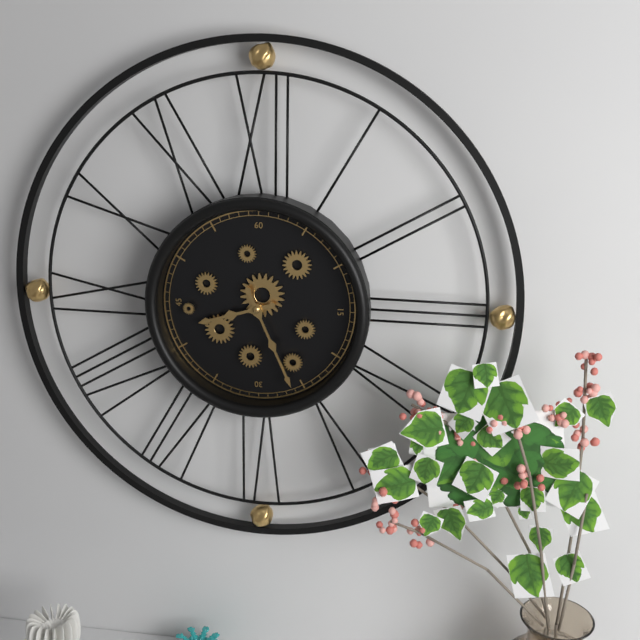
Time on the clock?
8:26
